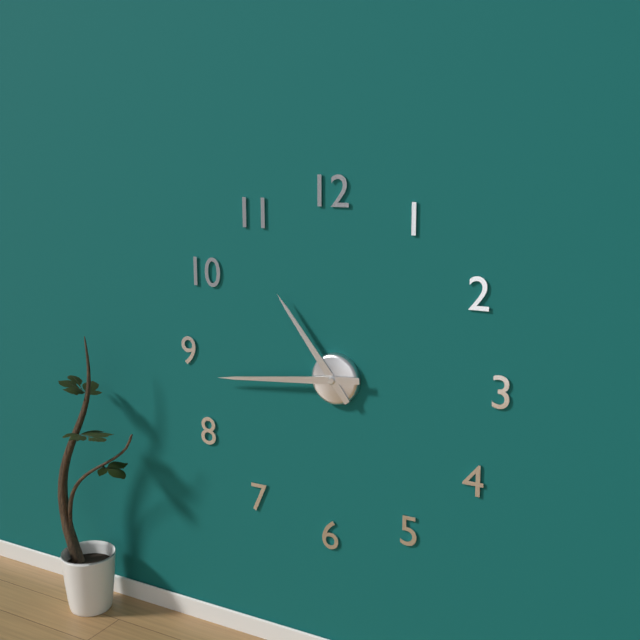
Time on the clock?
10:44
